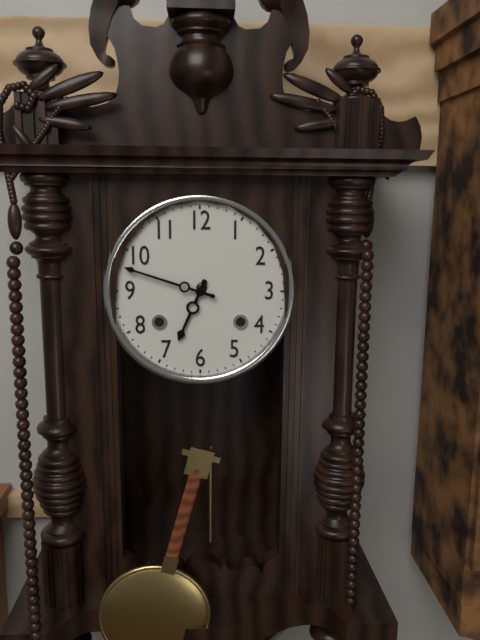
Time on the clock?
6:48
